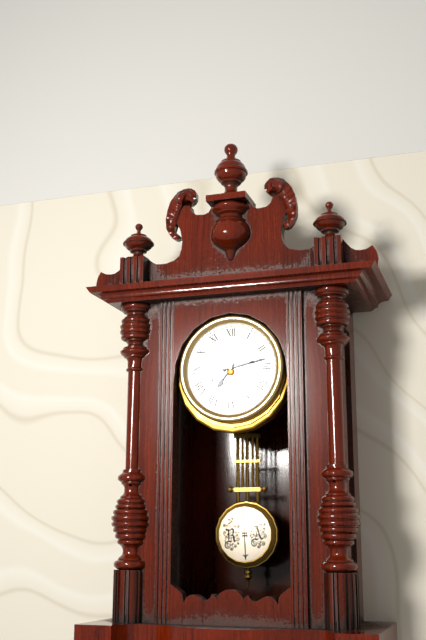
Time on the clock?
7:13
